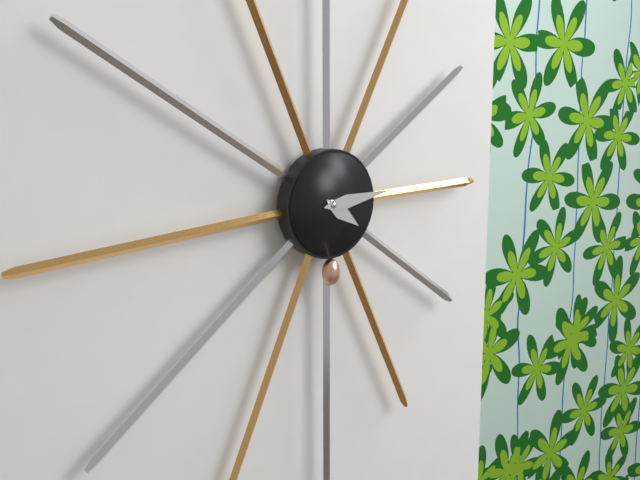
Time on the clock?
4:14
